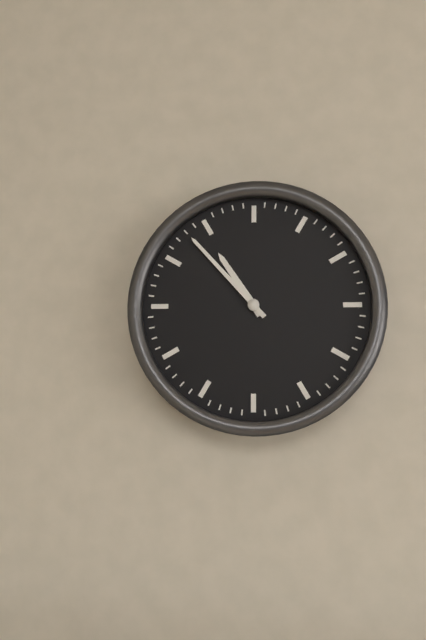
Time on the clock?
10:53
